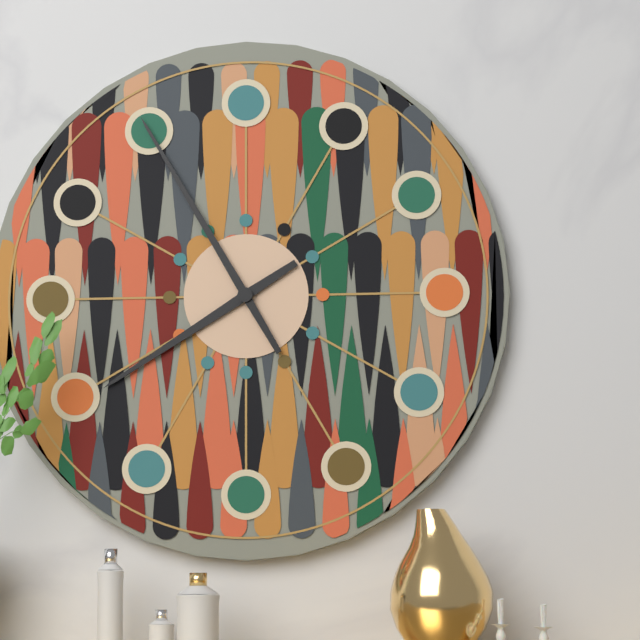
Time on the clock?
7:55
